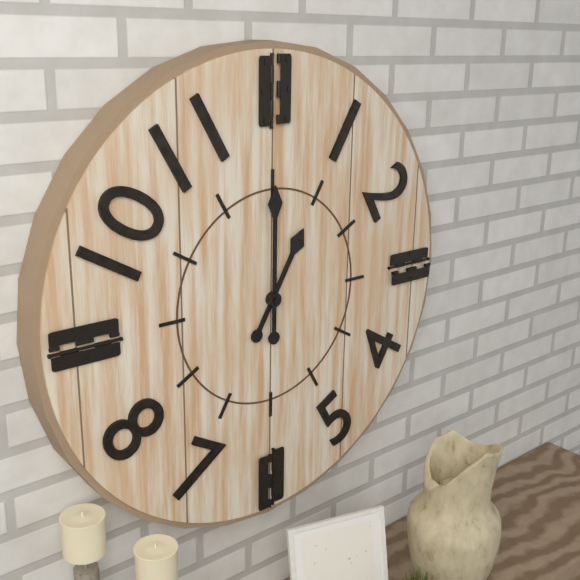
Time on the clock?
1:00
